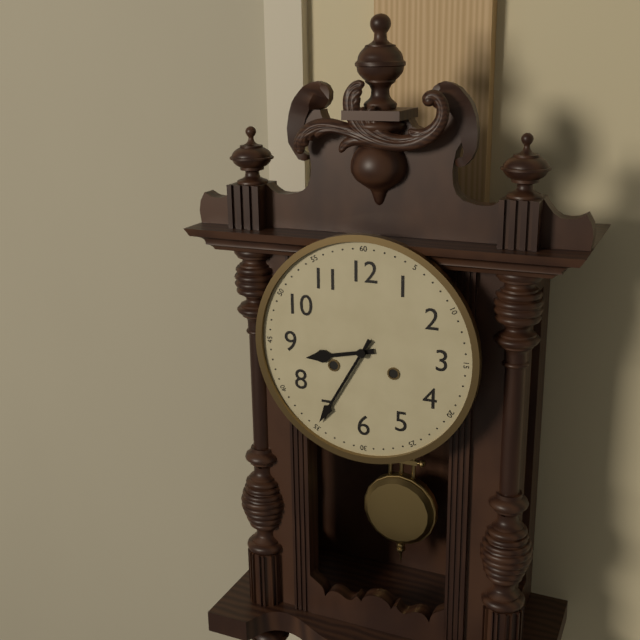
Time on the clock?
8:35
